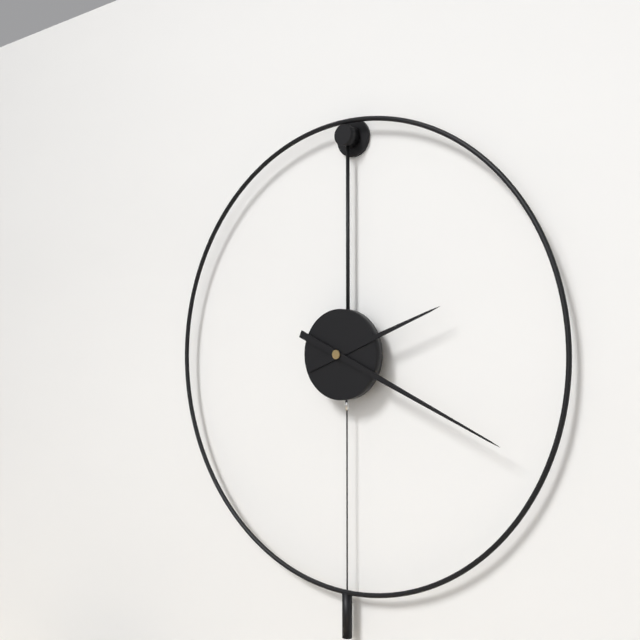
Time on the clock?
2:19
